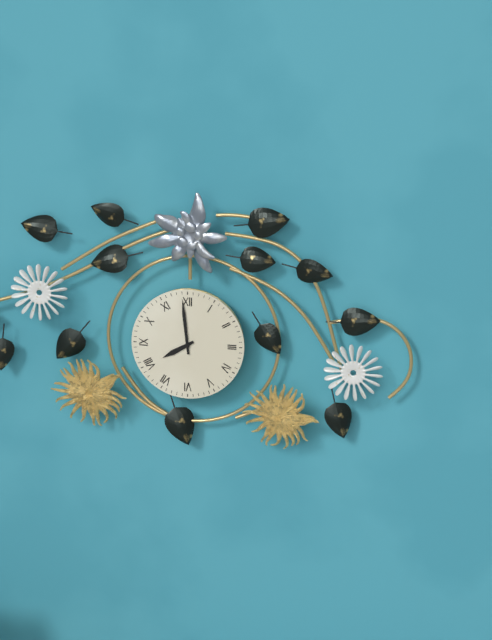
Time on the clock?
7:59
